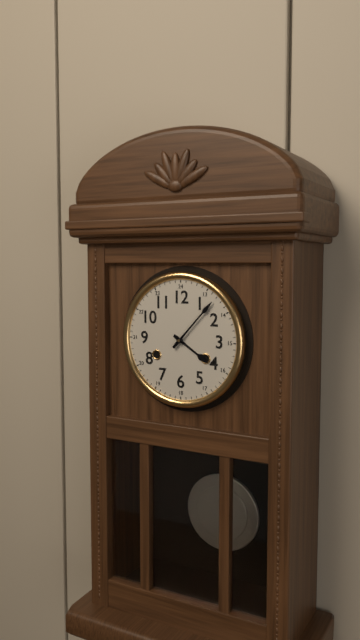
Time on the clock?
4:07
